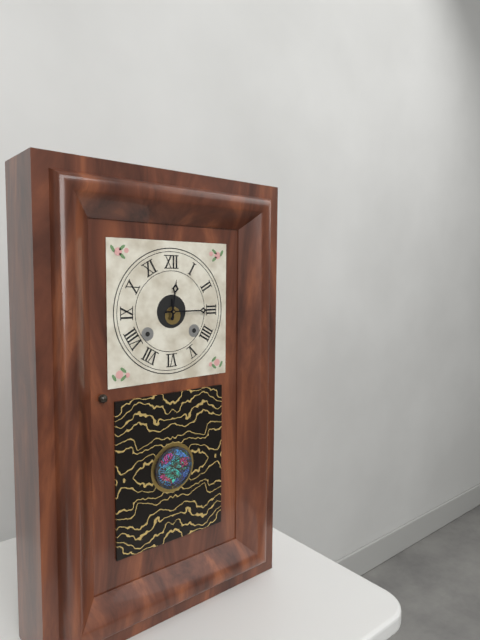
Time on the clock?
12:15
